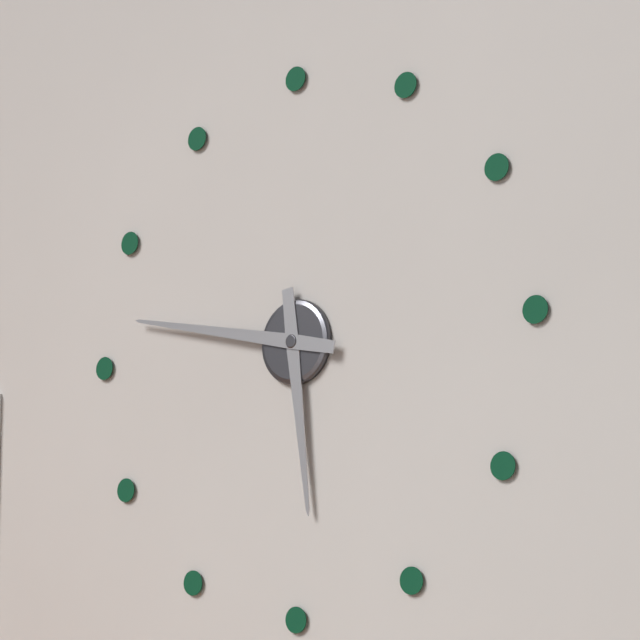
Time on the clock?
5:47
